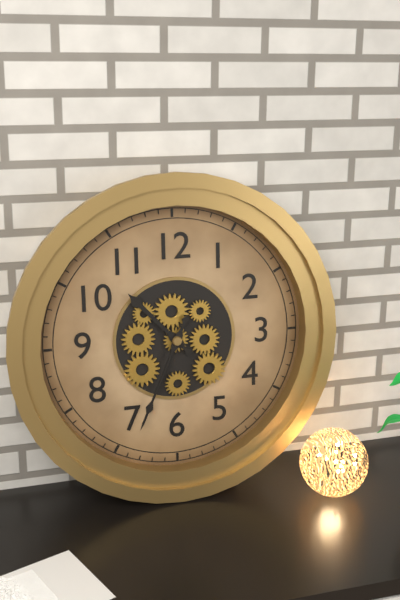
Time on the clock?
10:34
